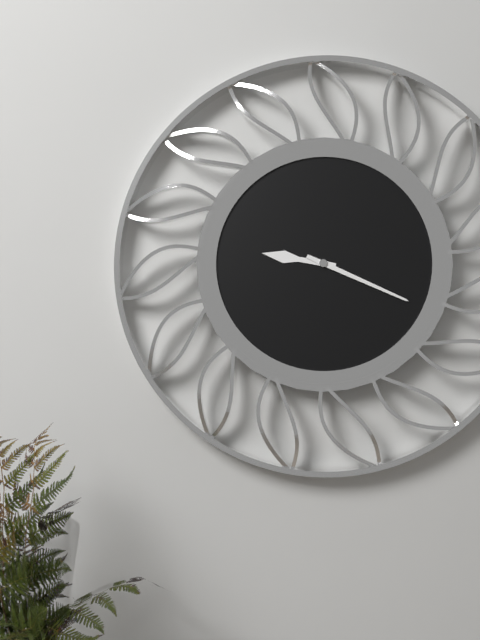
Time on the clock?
9:19
